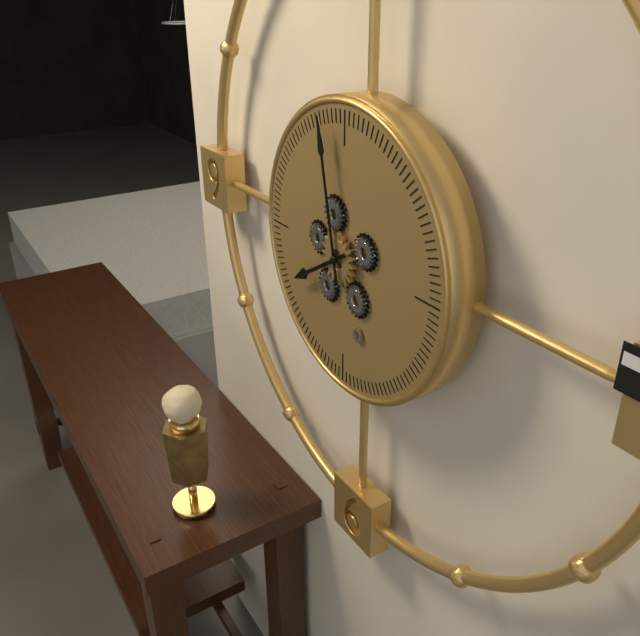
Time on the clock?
7:58
